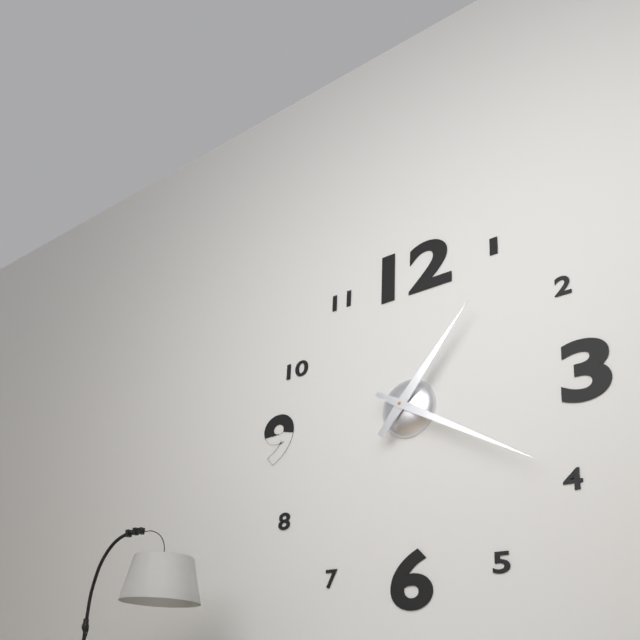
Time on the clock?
1:20
